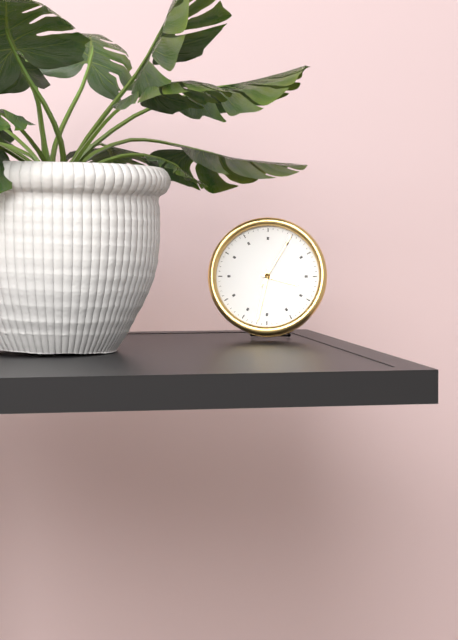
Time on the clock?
3:32:05
